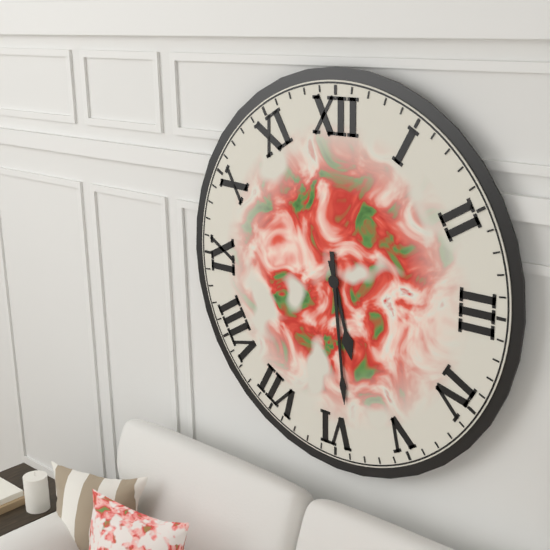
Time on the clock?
5:29
